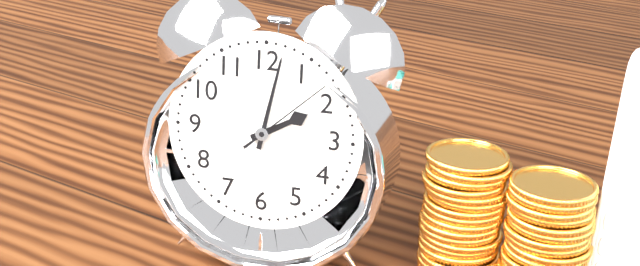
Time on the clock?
2:02:08
